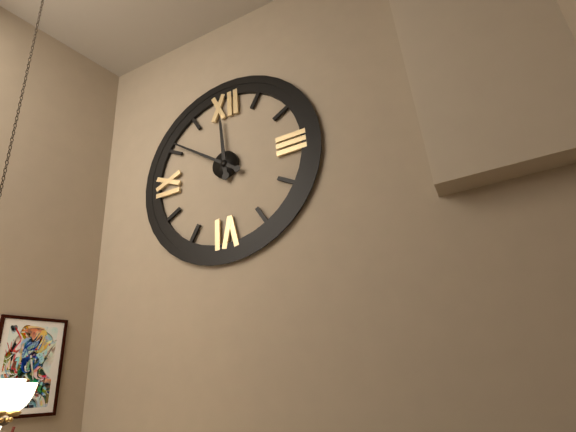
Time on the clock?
11:51
